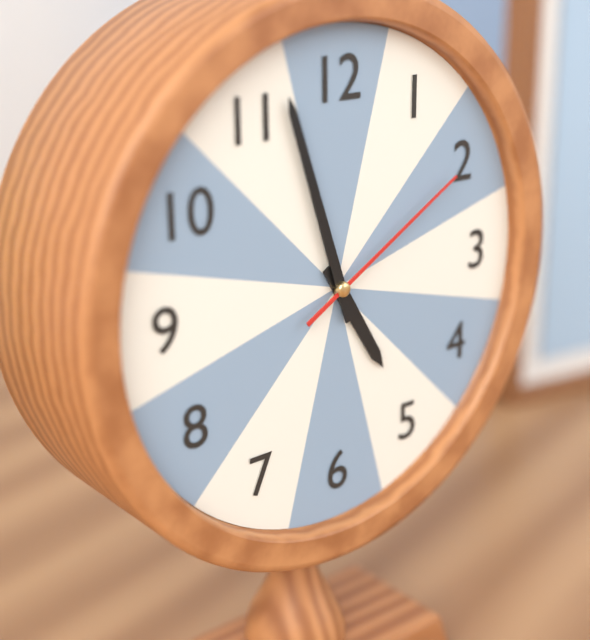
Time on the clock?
4:57:10
